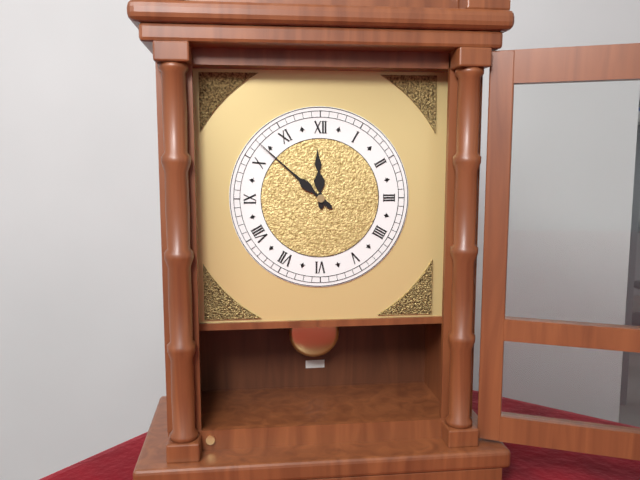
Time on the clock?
11:52
